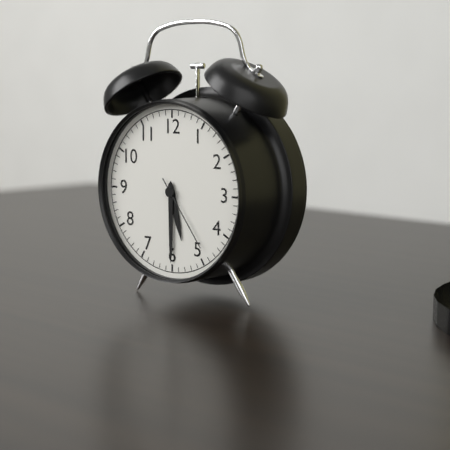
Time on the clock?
5:30:24
